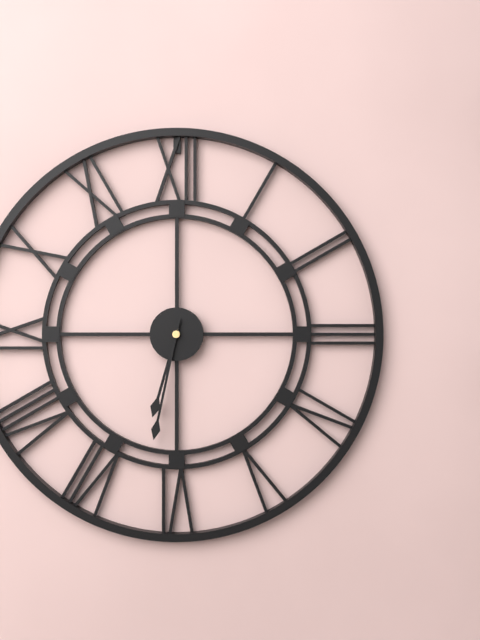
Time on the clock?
6:32
